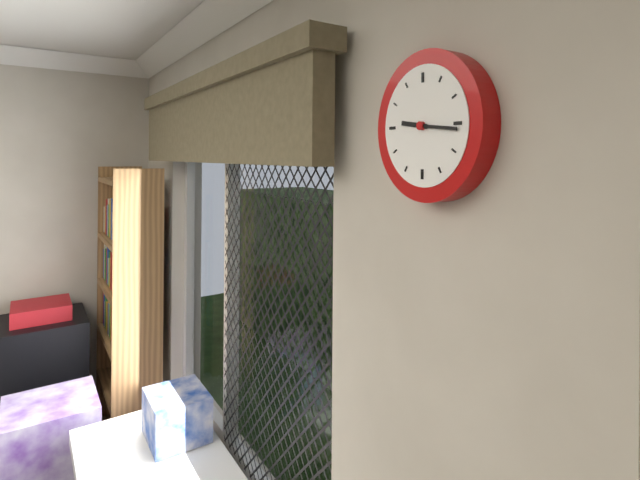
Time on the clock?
9:16
